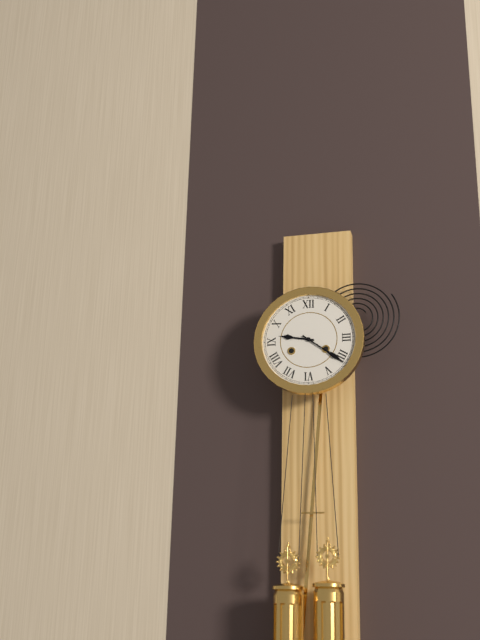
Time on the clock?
9:21
